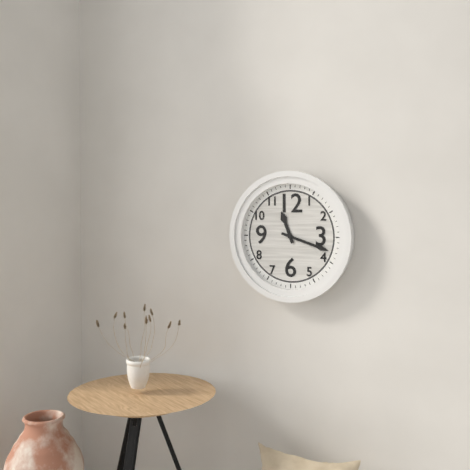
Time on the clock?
11:18
